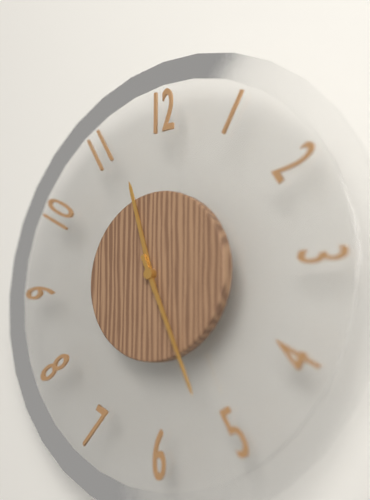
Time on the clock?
11:26
